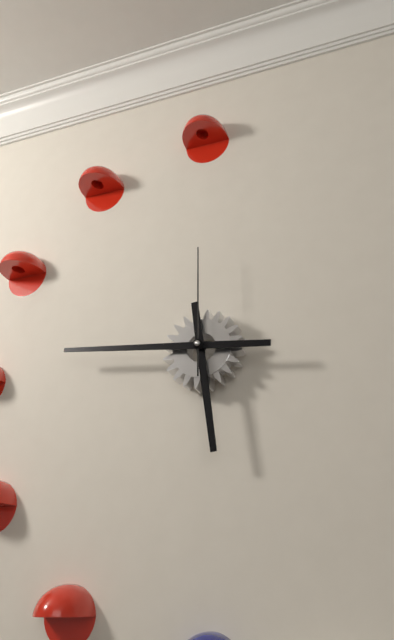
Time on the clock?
5:46:00
